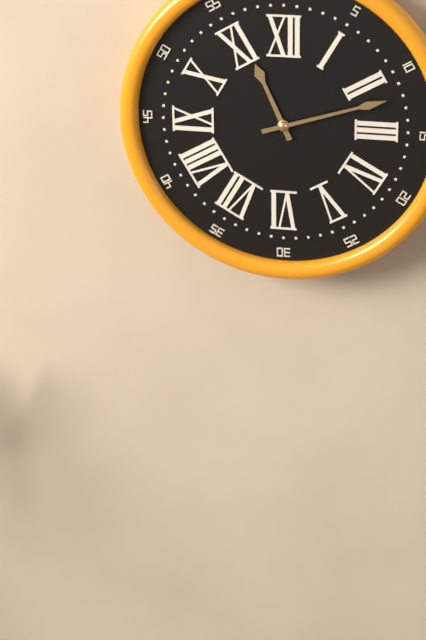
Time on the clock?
11:12
